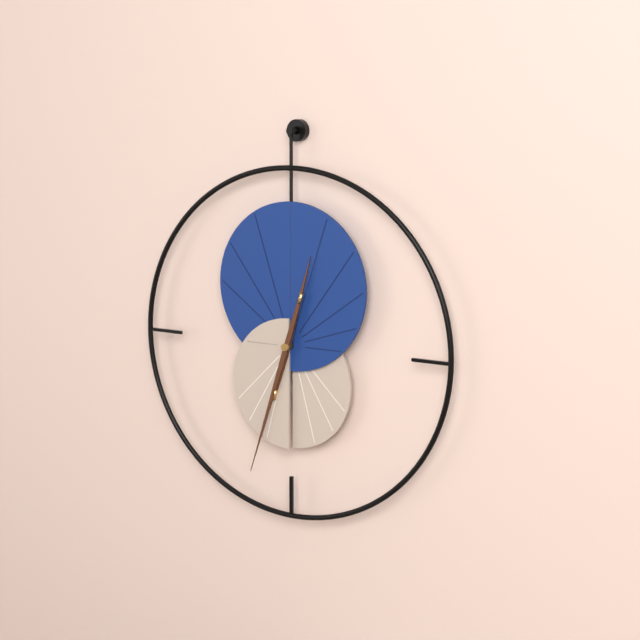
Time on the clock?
12:33
